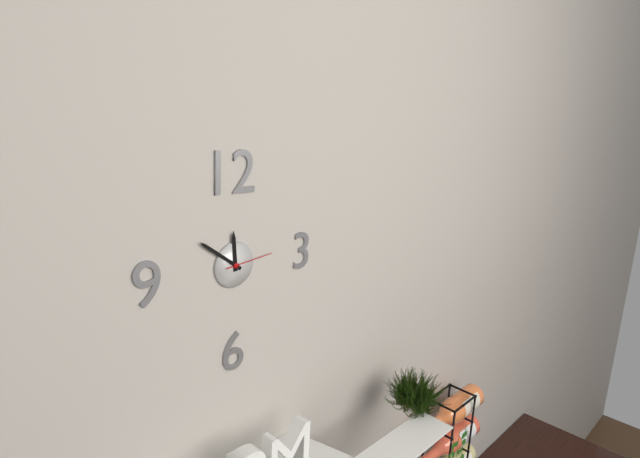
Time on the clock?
11:51
